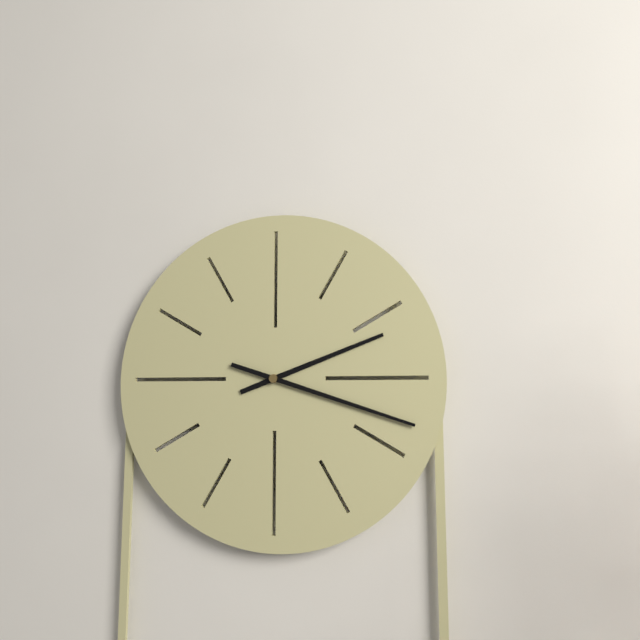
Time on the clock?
2:18
